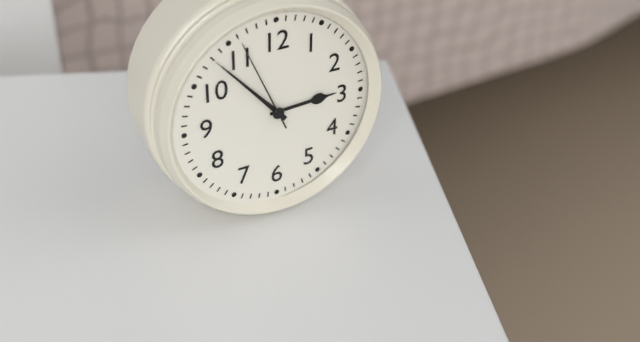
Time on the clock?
2:53:56
